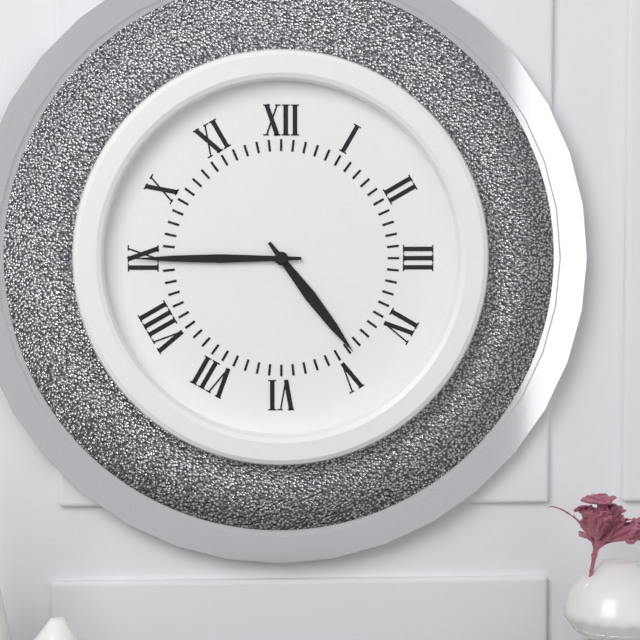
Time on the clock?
4:45
